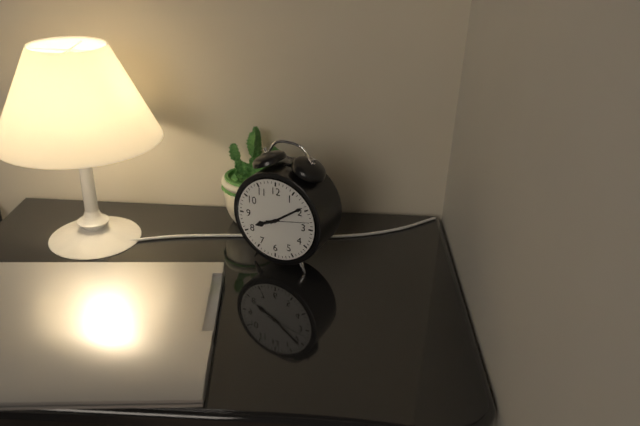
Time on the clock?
8:09
